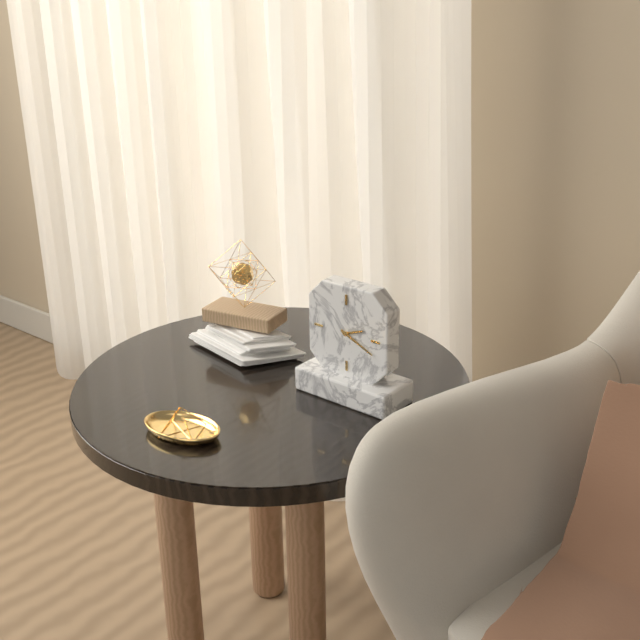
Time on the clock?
2:19
